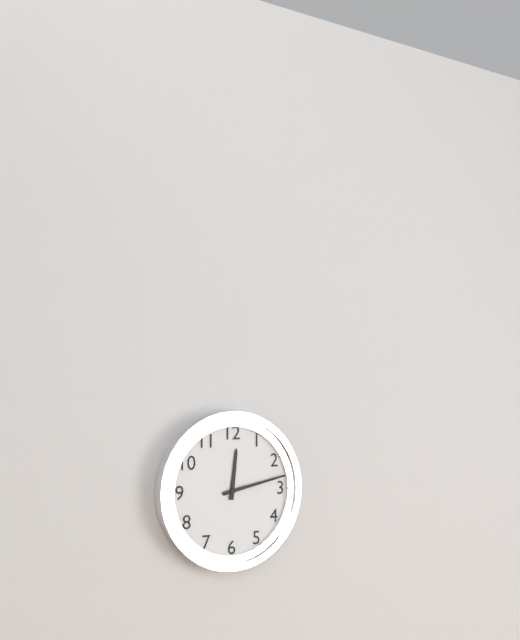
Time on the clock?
12:13
